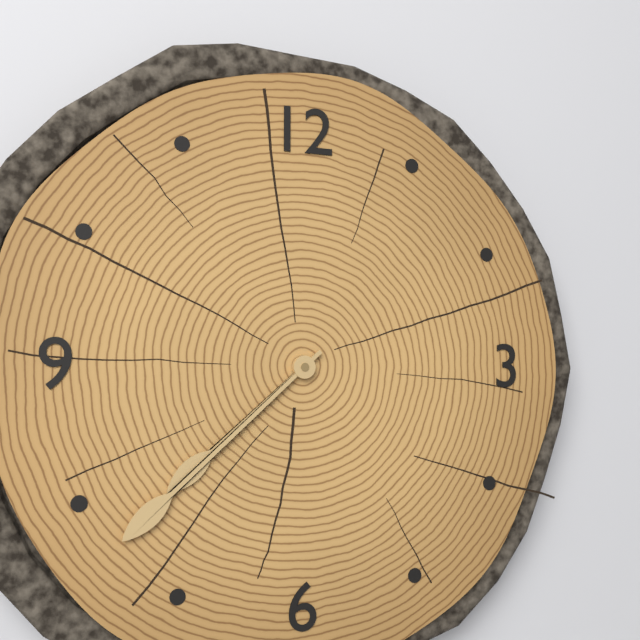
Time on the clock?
7:38
